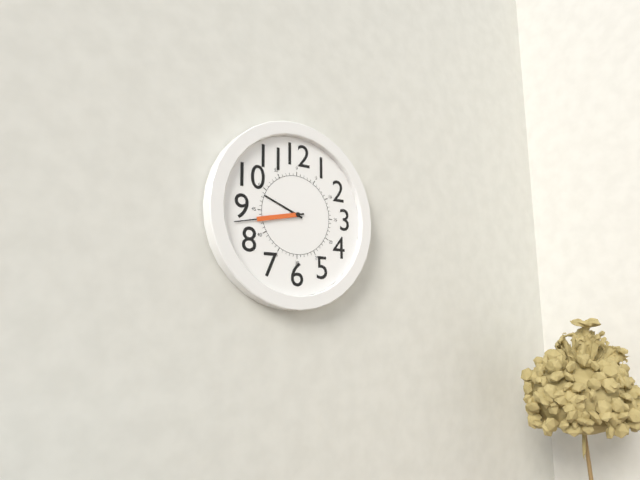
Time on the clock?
9:43:43
